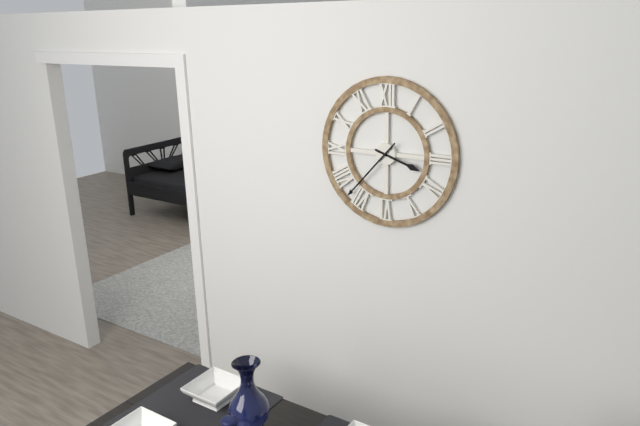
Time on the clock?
3:37
